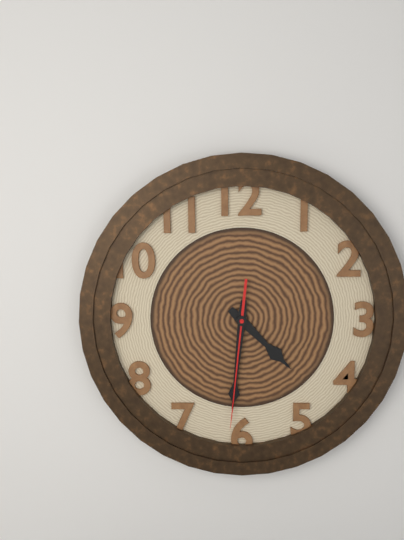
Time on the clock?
4:31:31
